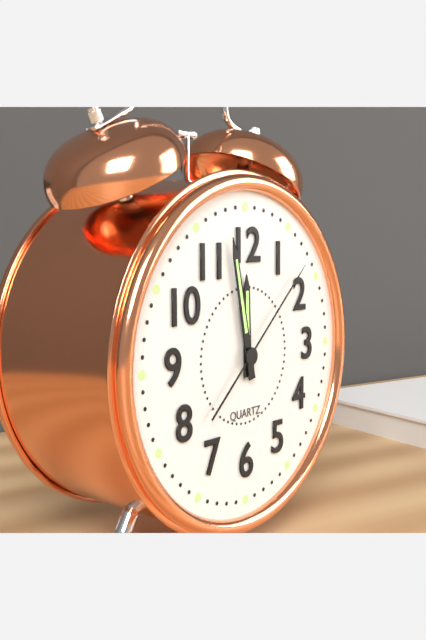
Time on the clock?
11:58:08
